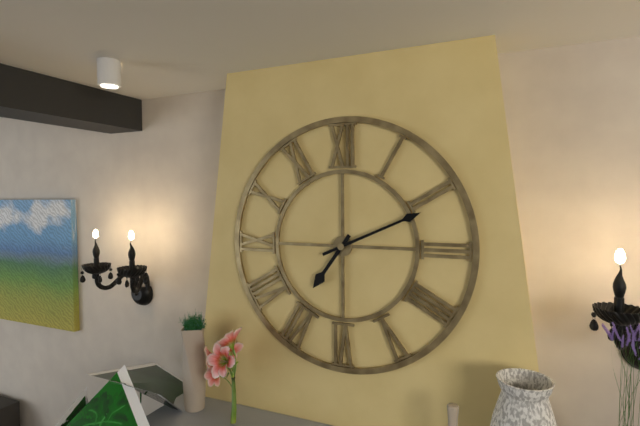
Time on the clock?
7:11
